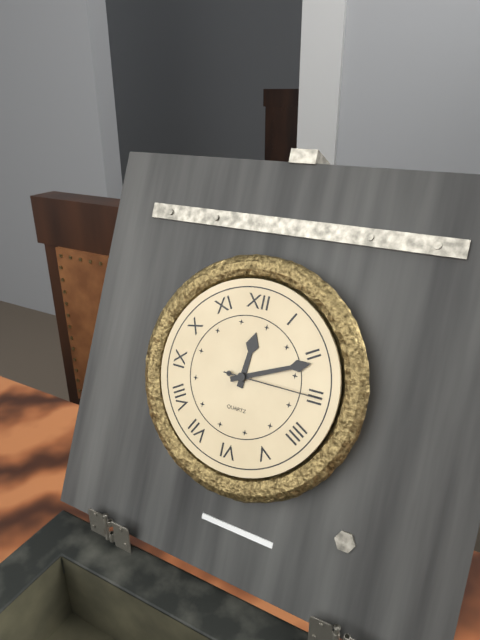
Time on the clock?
12:11:15
